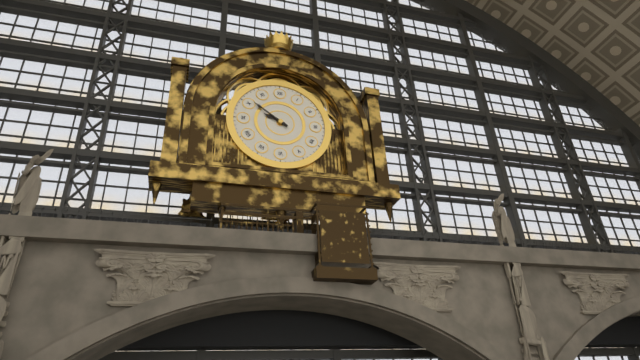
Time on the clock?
9:51
